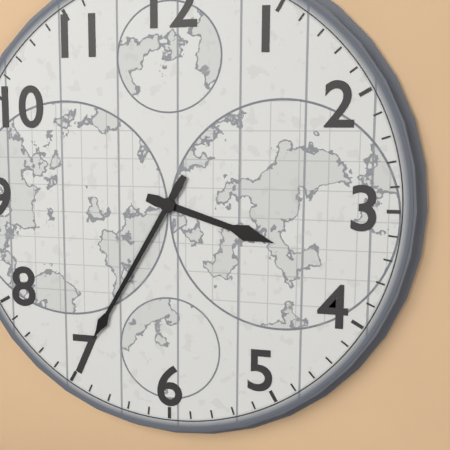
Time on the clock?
3:35
